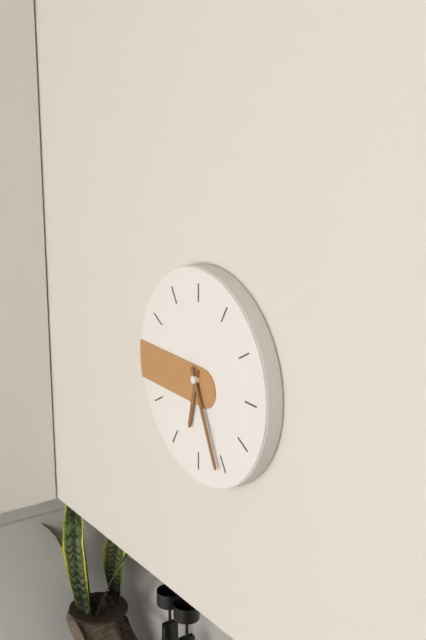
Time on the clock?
6:26
